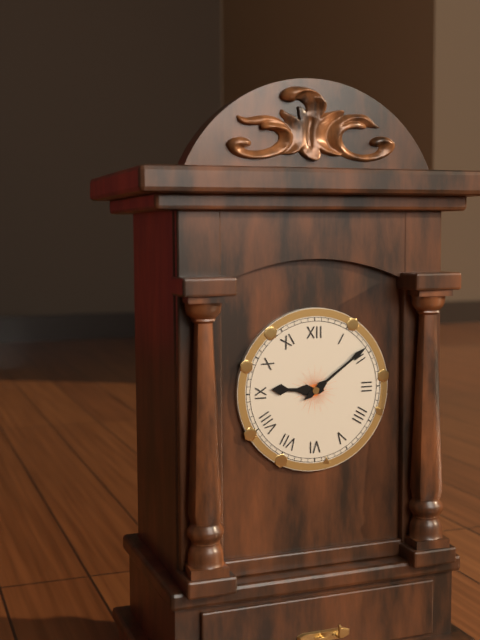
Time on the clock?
9:09
